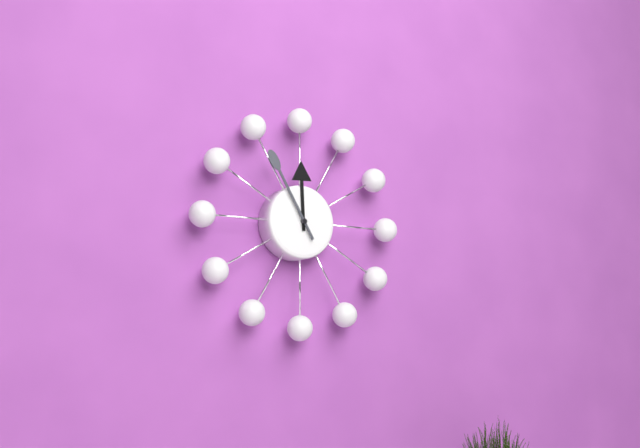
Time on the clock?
11:55
